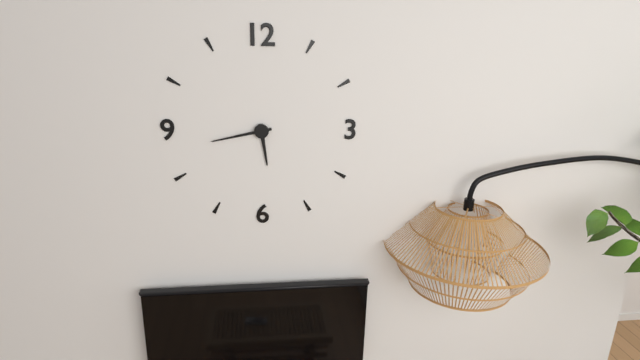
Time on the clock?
5:43
